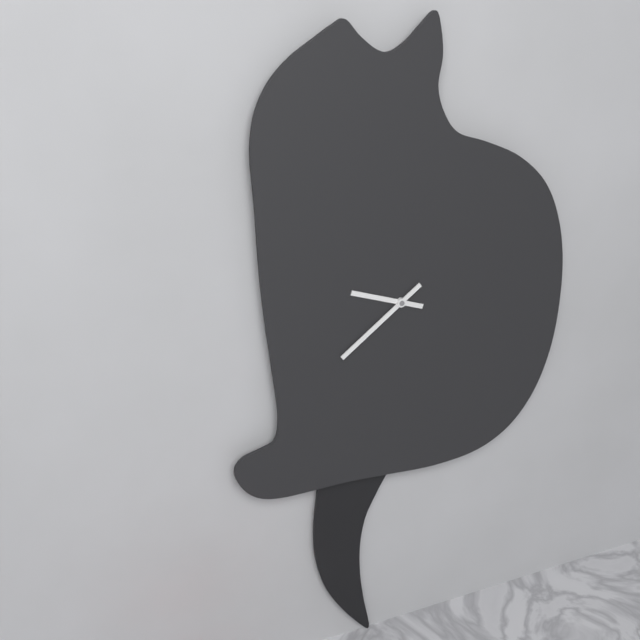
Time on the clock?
9:39
